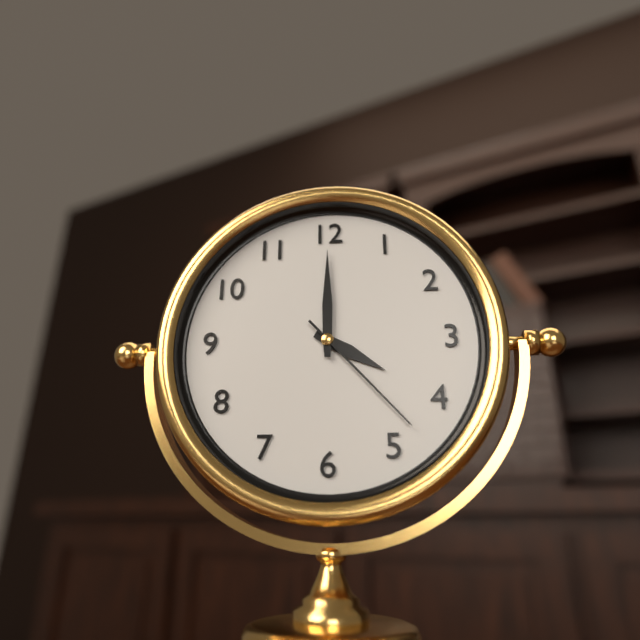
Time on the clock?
4:00:23
